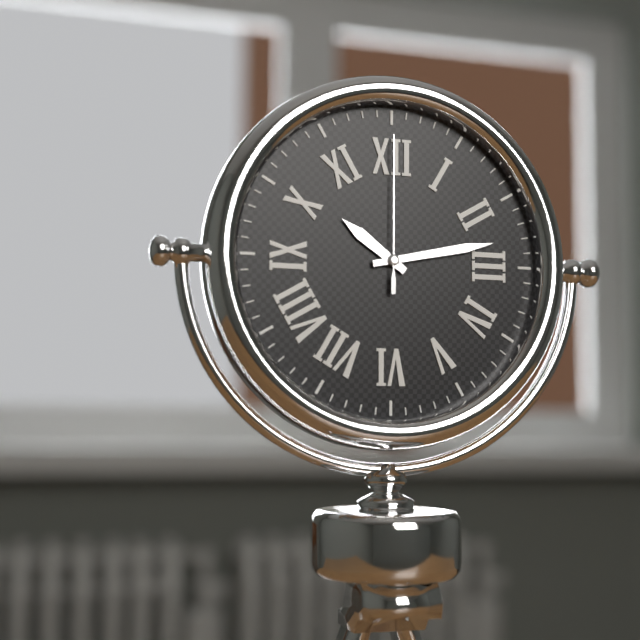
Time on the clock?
10:13:00
